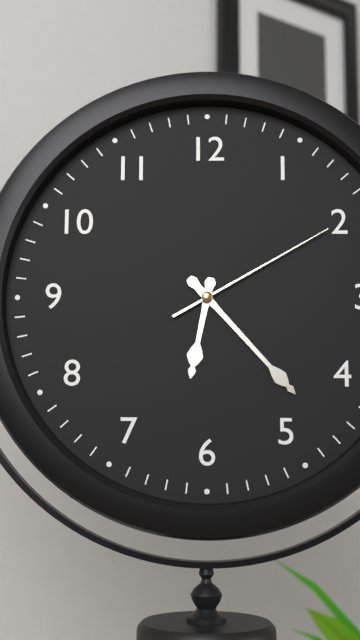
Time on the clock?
6:23:10
